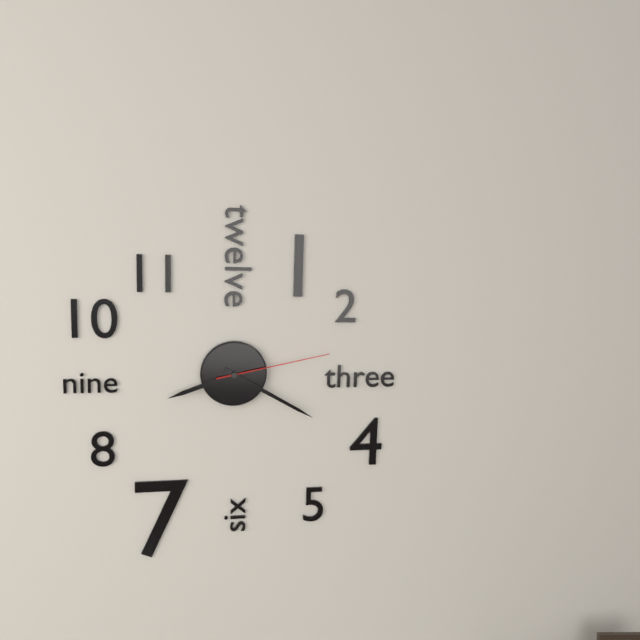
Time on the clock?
8:20:13
